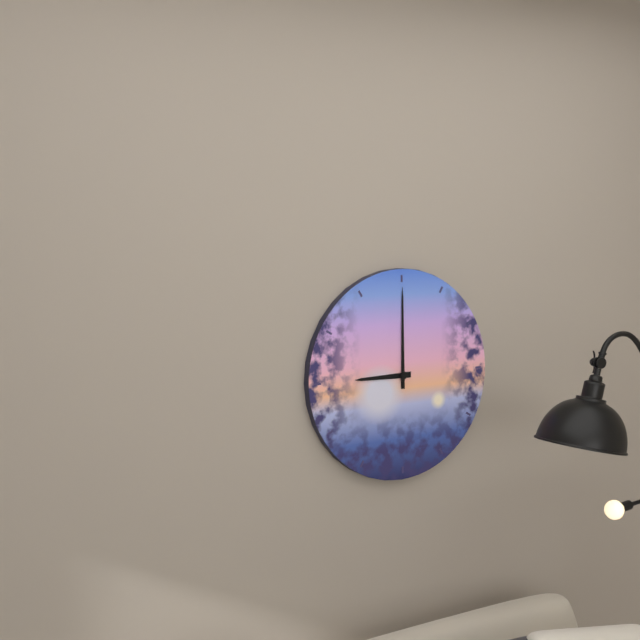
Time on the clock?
9:00
